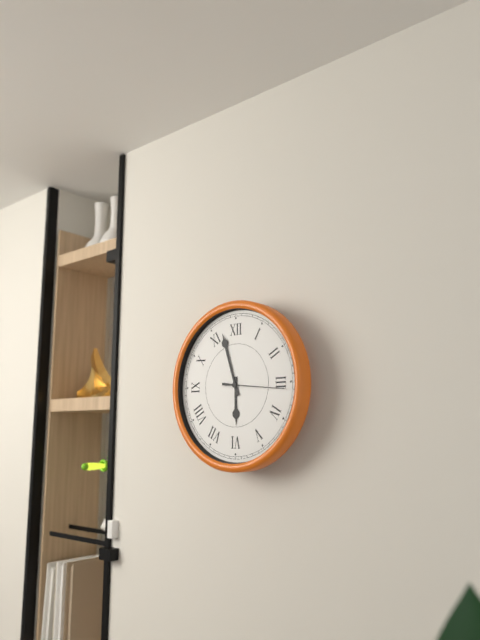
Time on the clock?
5:57
